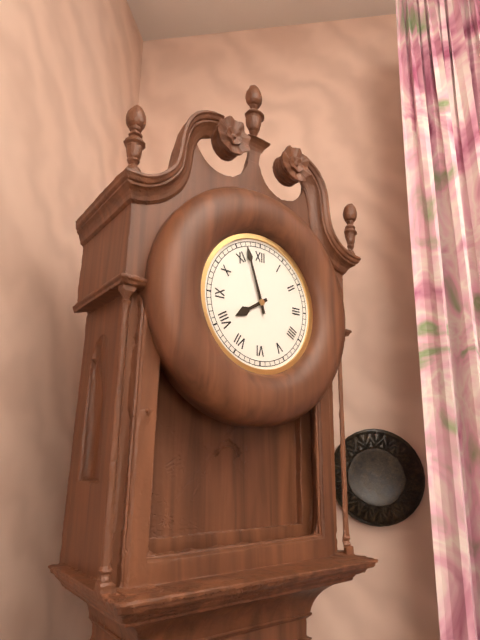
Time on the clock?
7:57
